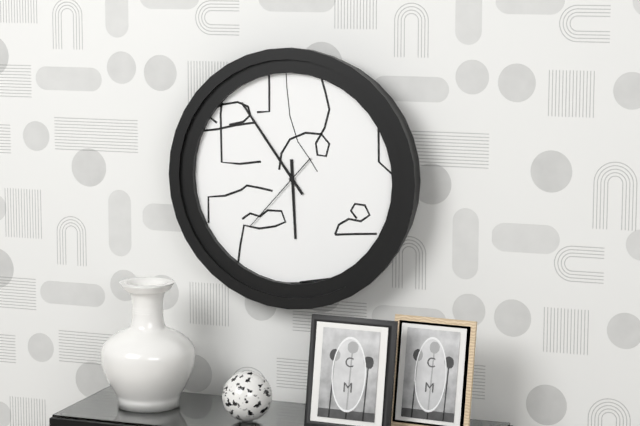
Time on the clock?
5:54:37
